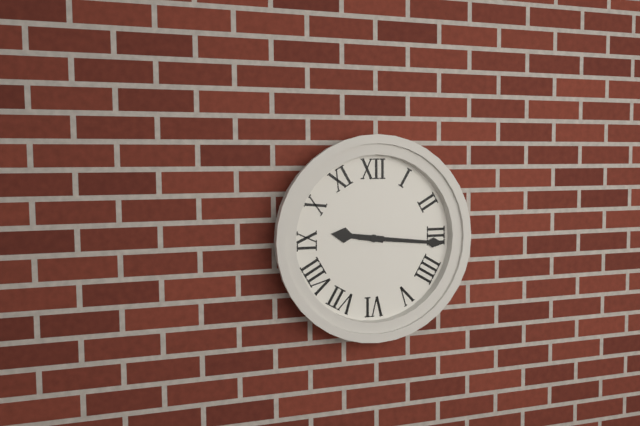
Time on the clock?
9:16
